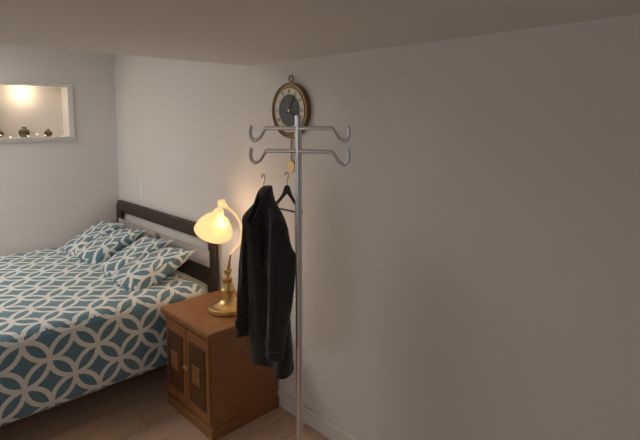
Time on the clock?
4:05
